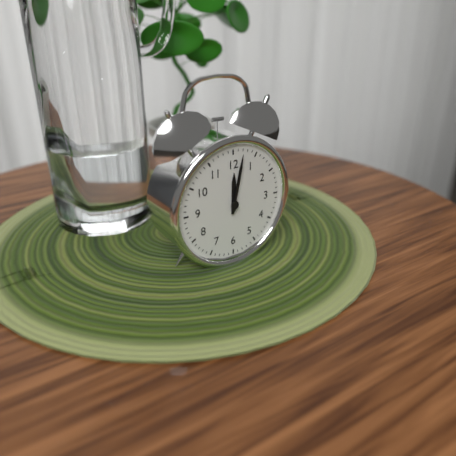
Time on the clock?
12:02
